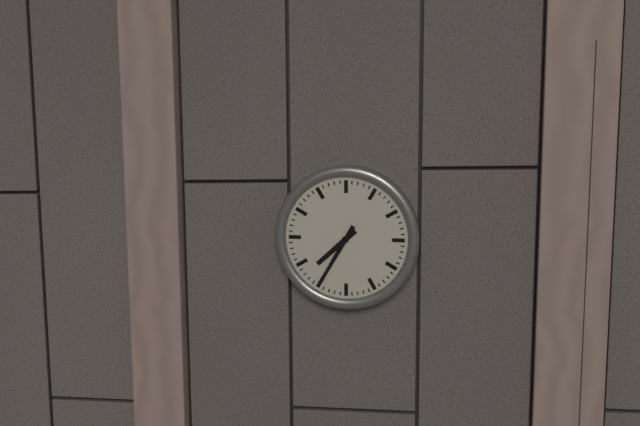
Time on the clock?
7:35
